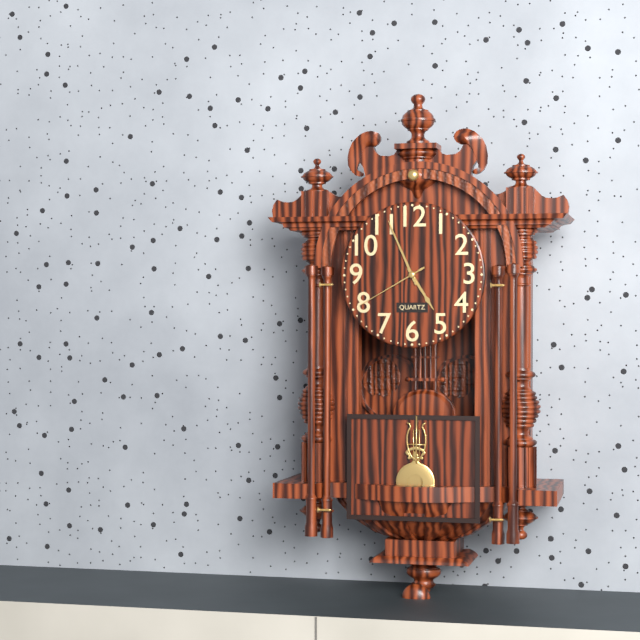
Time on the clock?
4:56:40
